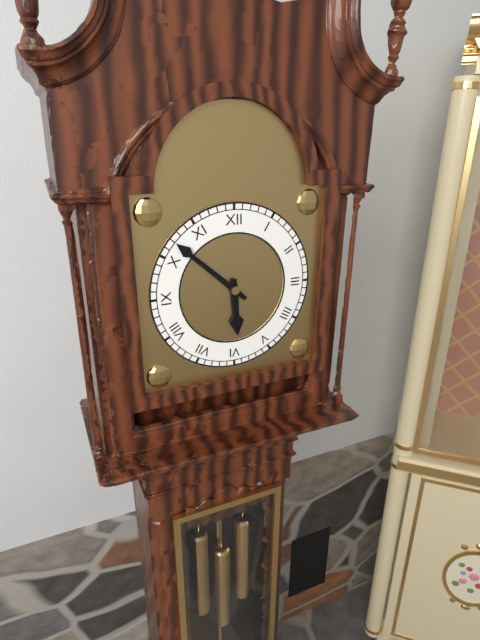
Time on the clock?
5:52
